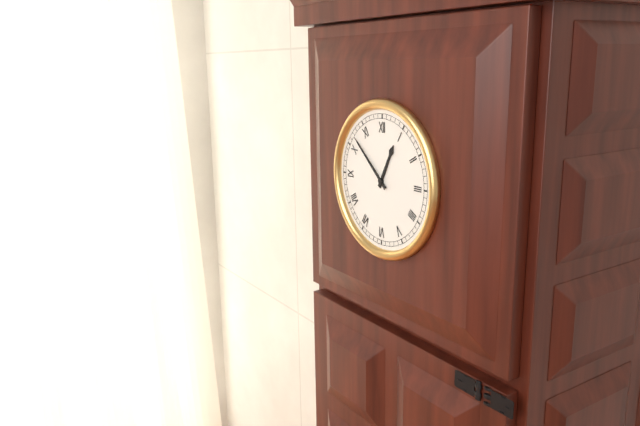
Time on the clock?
12:52
